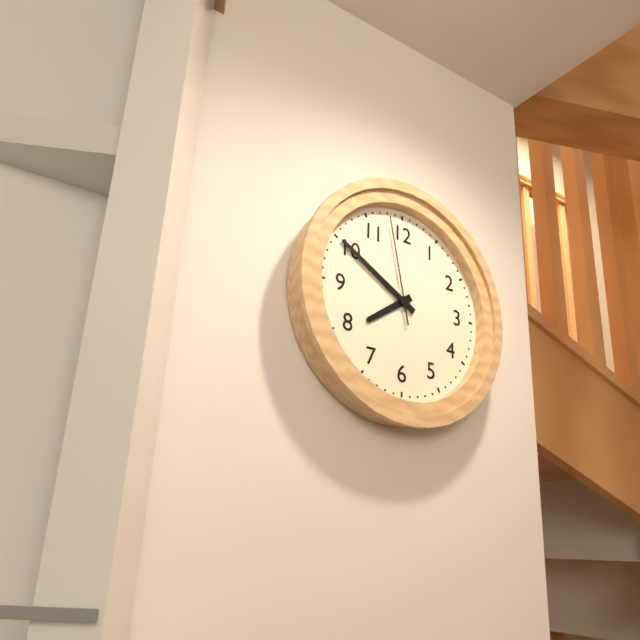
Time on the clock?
7:50:58
